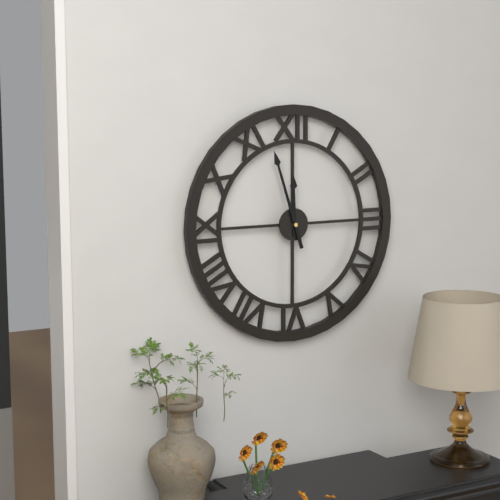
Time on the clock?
11:57
